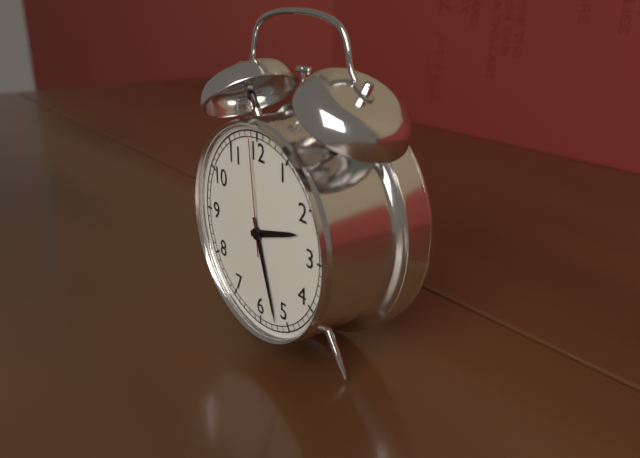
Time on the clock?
2:27:59
